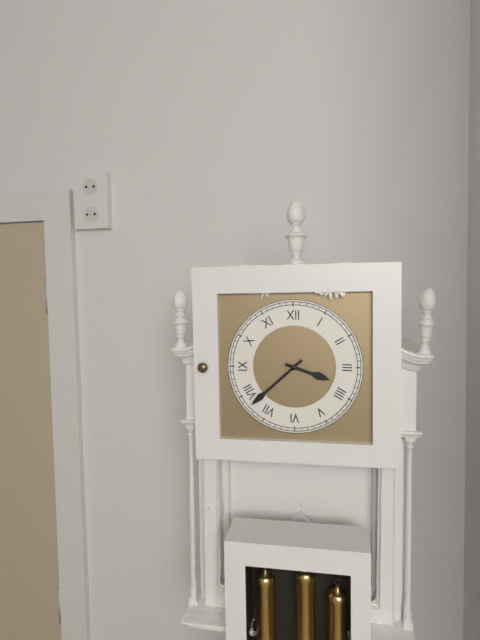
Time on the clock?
3:38
